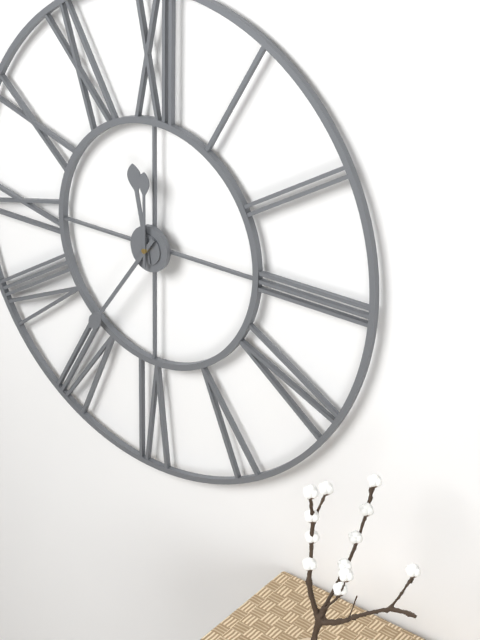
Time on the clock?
11:36:00
